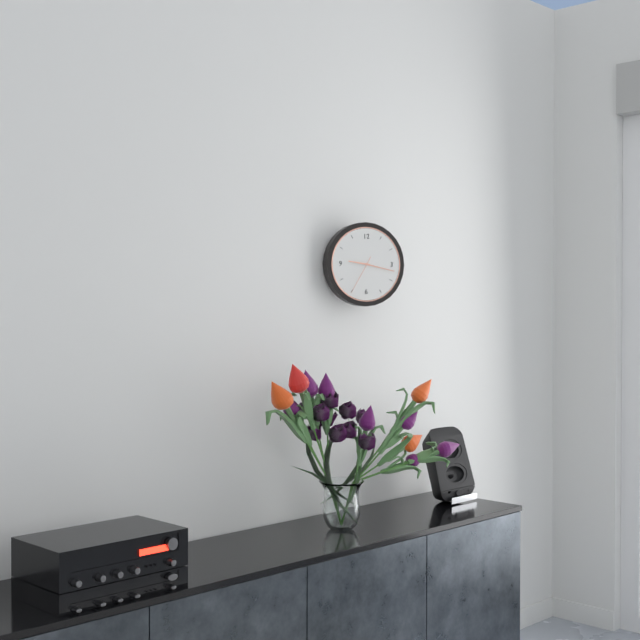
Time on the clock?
9:17
